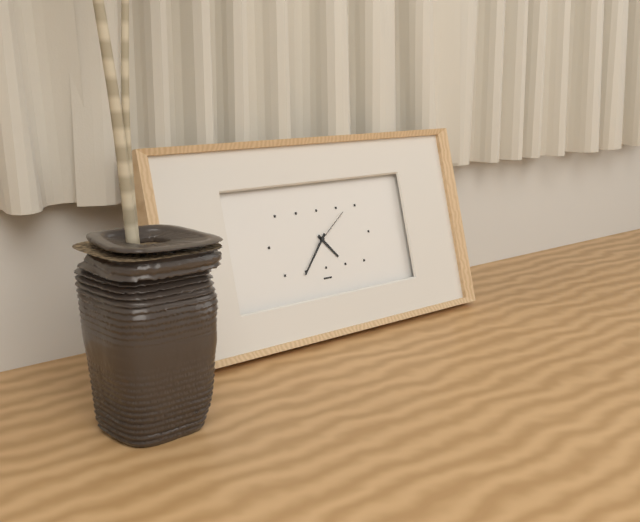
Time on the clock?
4:37
